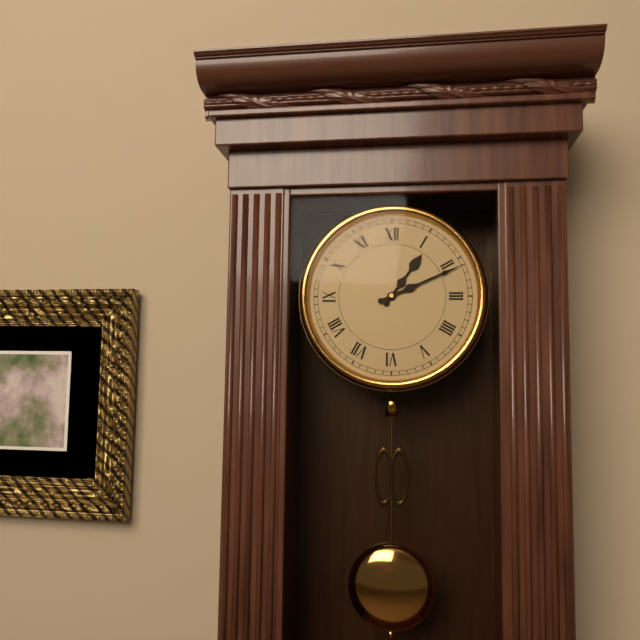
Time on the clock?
1:11
